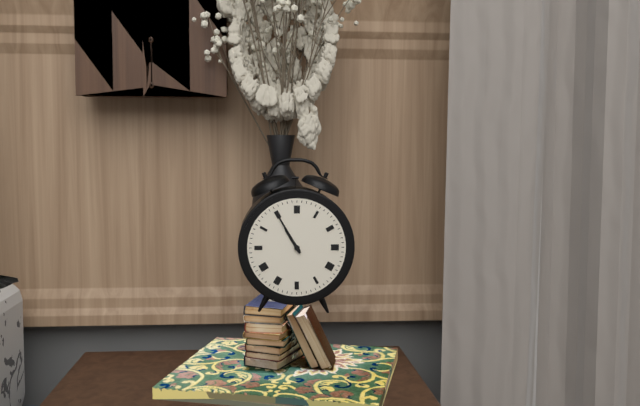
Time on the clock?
10:55
